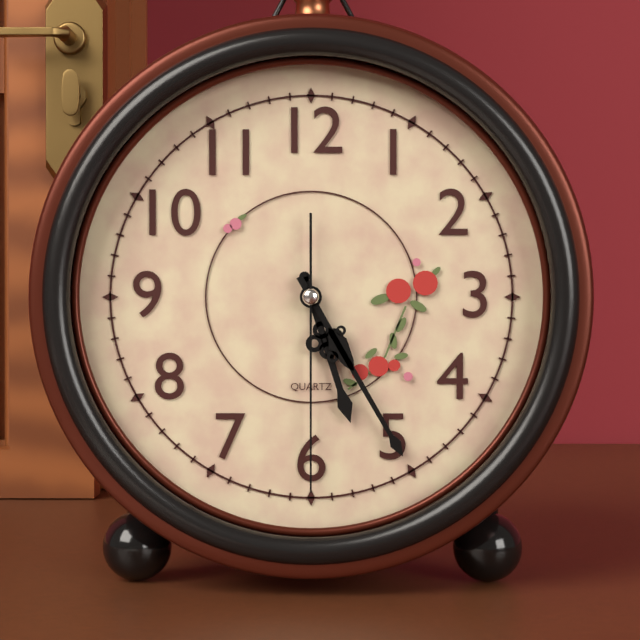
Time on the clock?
5:25:30
